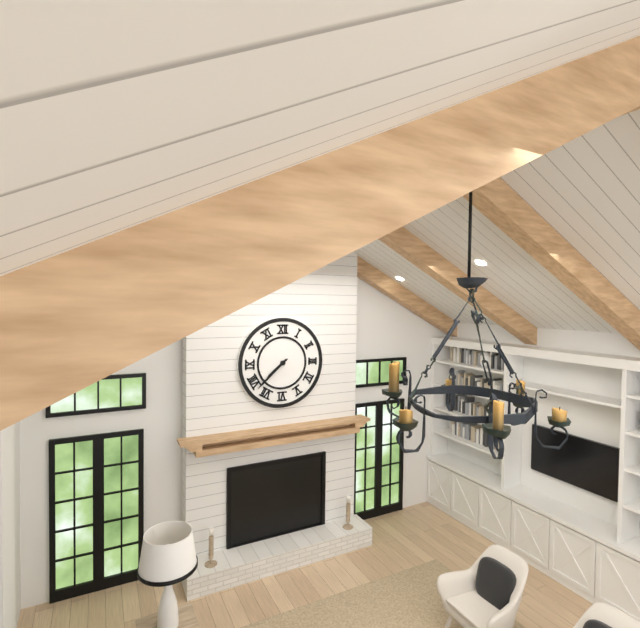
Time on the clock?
7:38
